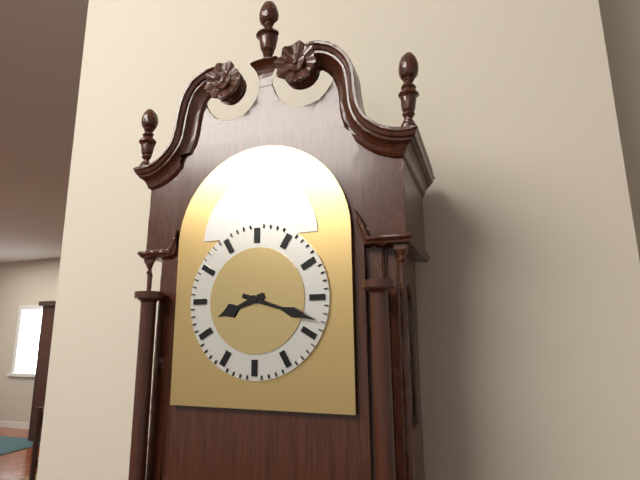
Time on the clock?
8:18
